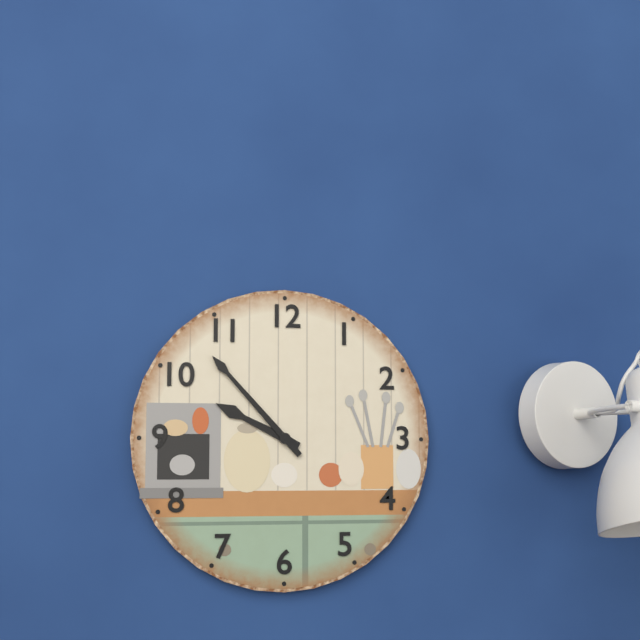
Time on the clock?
9:53
